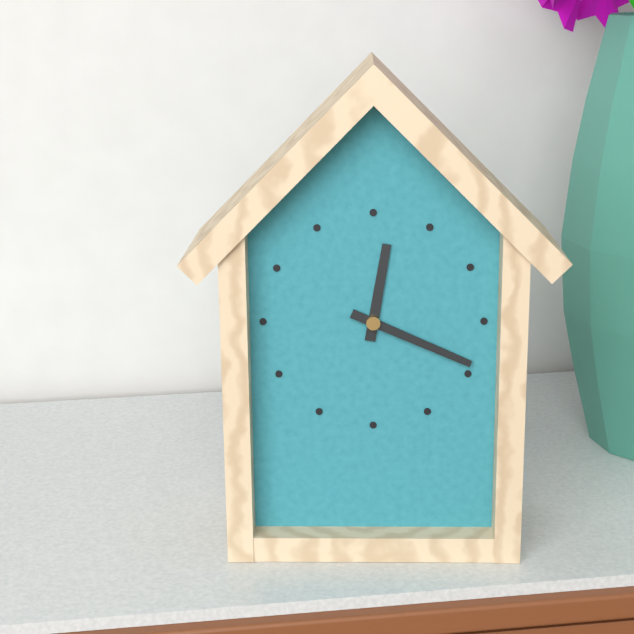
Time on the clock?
12:19
